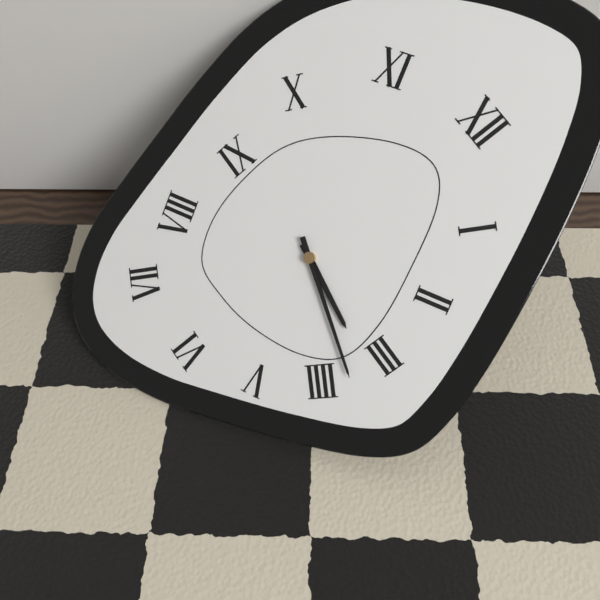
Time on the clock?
3:18
